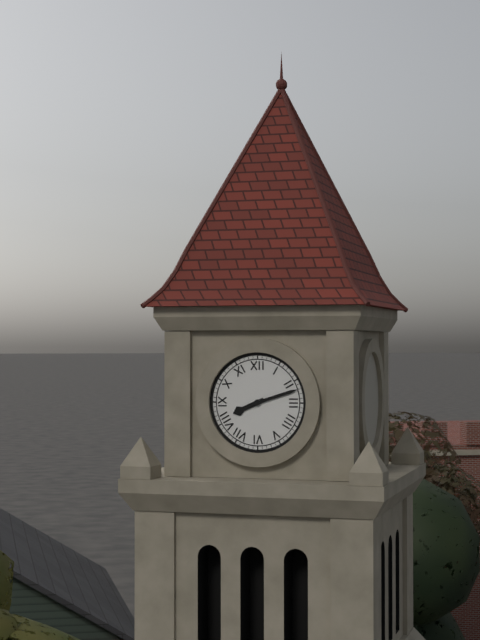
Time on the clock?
8:12
